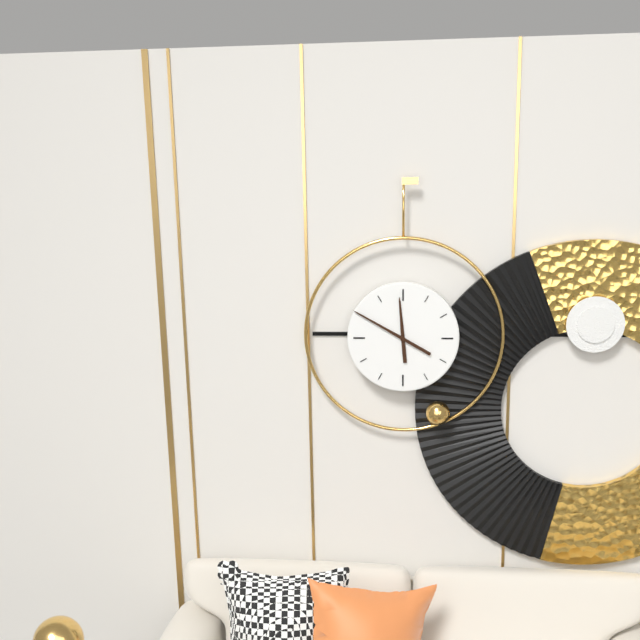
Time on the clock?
11:50
